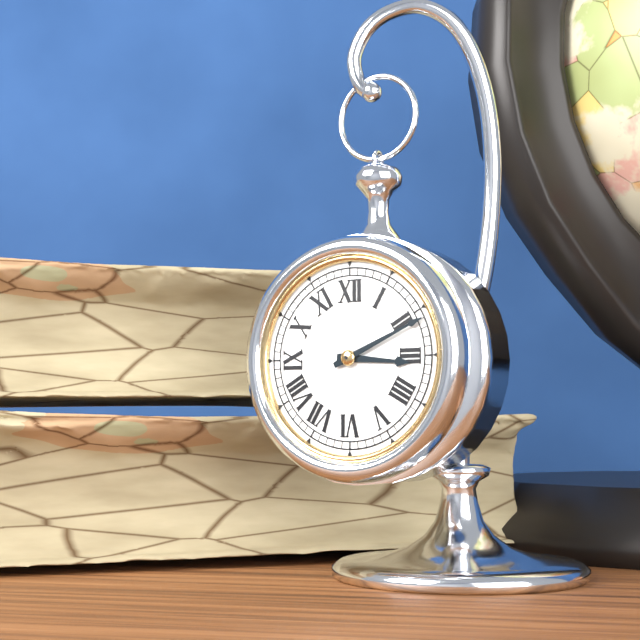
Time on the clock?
3:11
